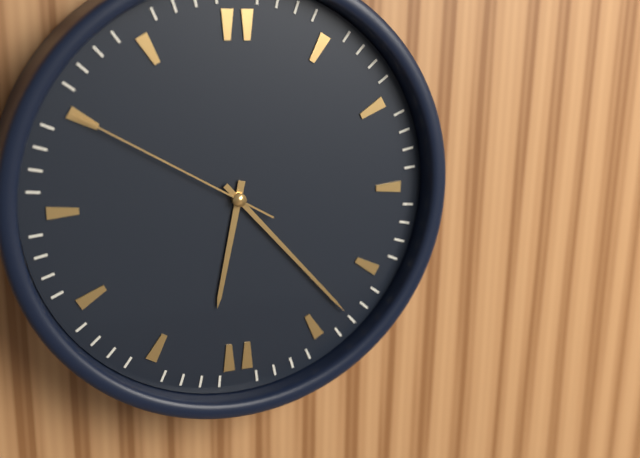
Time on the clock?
6:23:50
